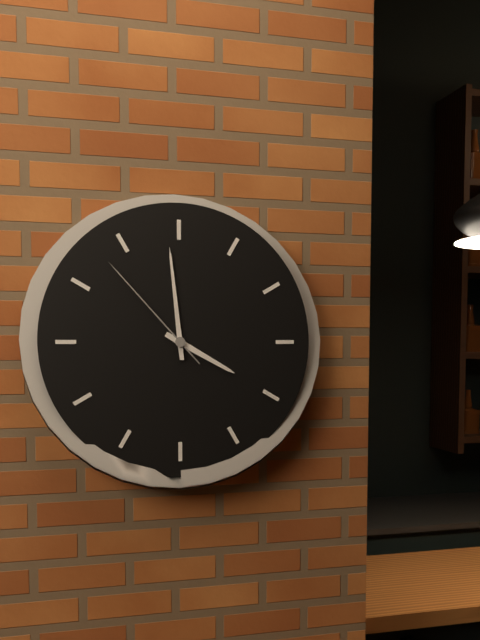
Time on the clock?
3:59:53
